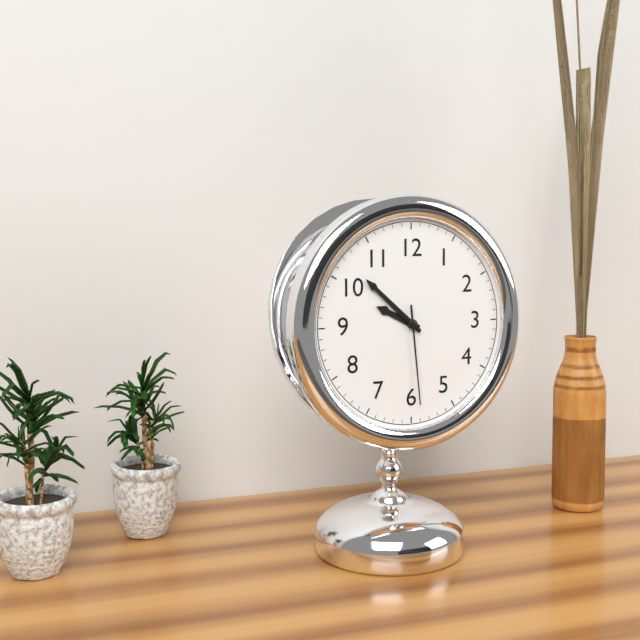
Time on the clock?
9:52:29
